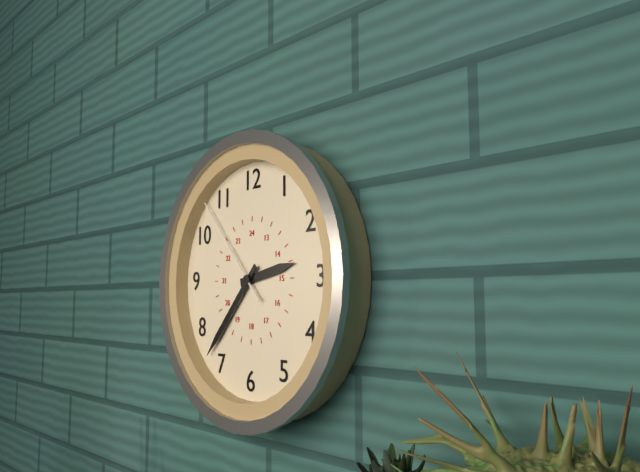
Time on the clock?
2:37:53
